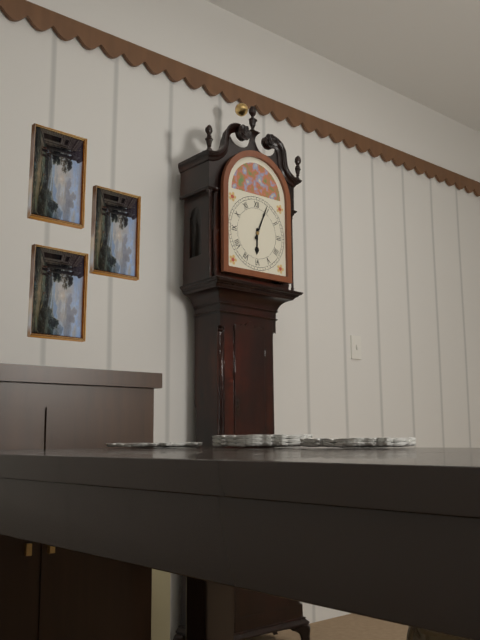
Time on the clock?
6:04
